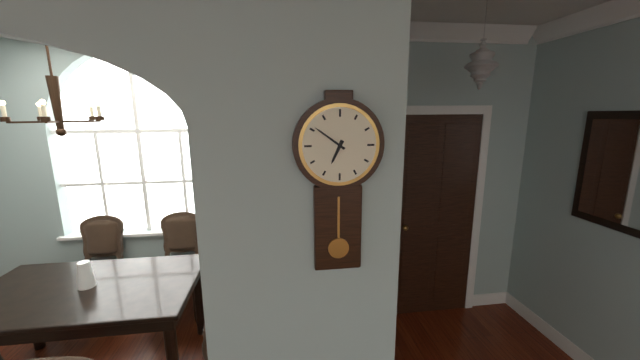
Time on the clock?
6:51
